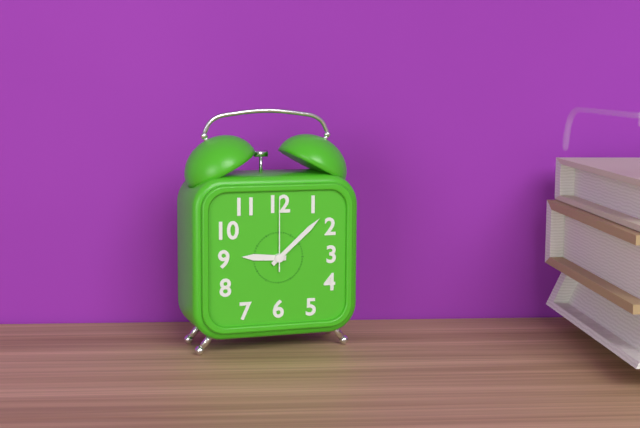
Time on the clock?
9:08:00
